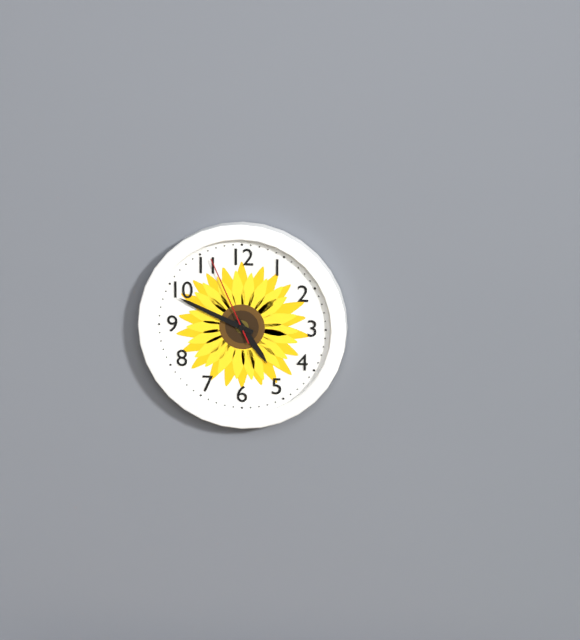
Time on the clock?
4:49:56
